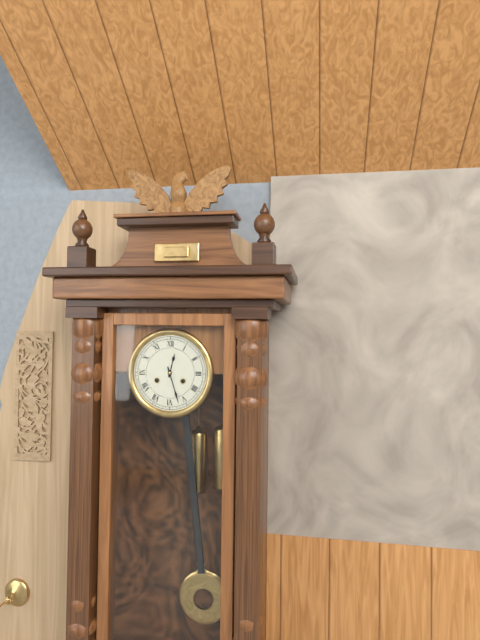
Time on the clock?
12:27
